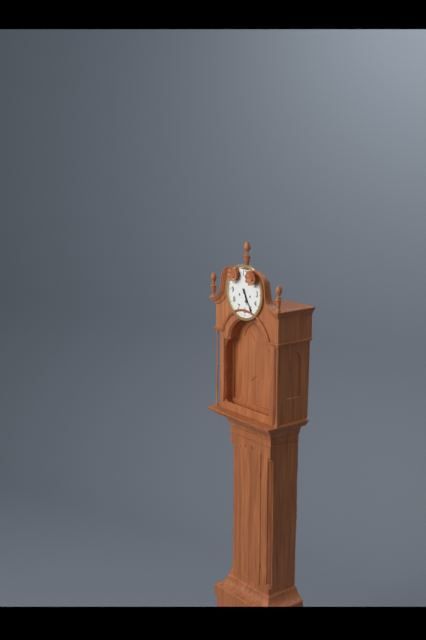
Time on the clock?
5:25
